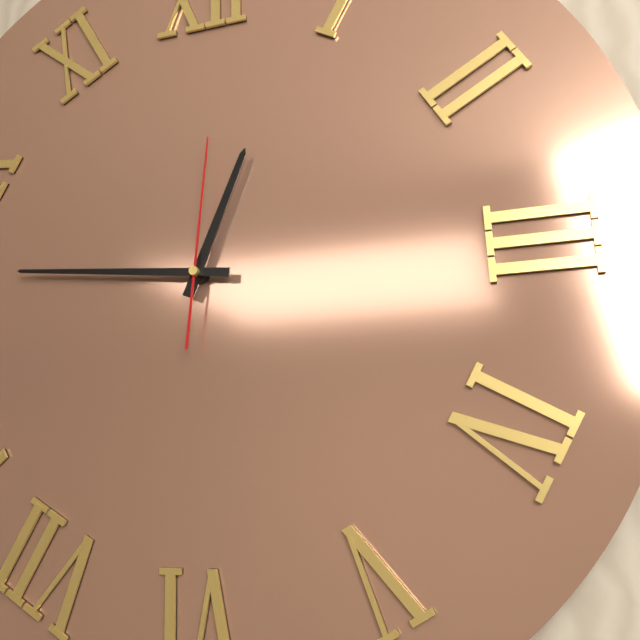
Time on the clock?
12:46:01
